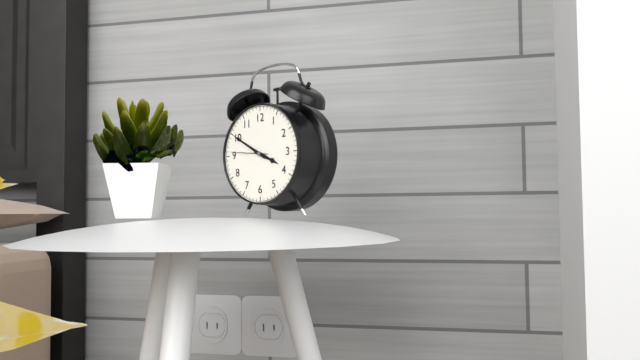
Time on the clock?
3:50
